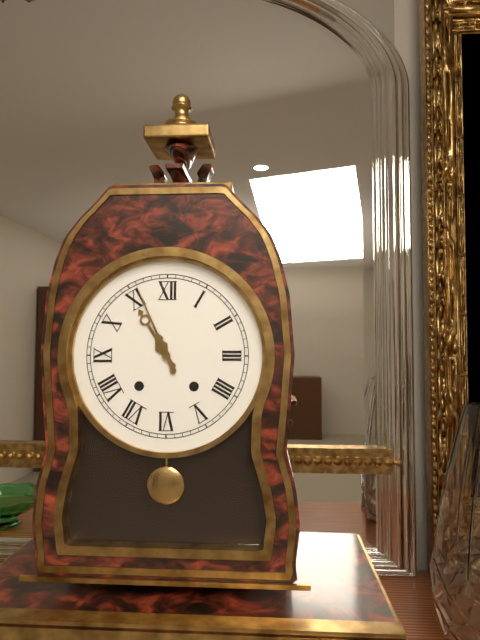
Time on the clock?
10:56
